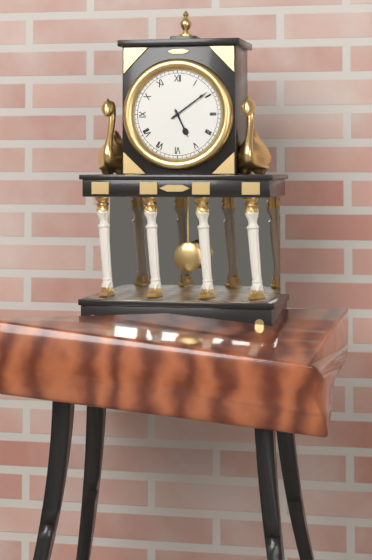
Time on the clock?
5:09
